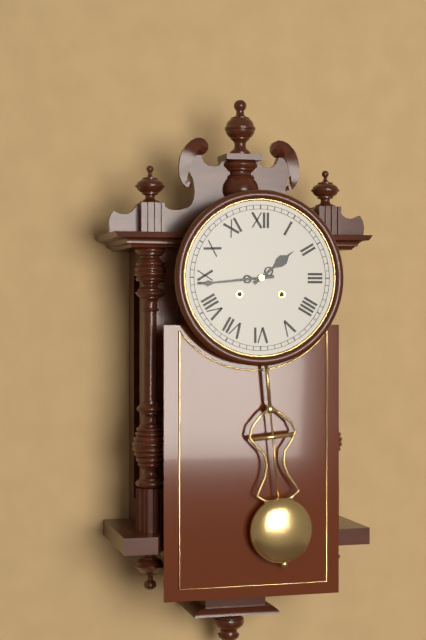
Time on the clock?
1:44
